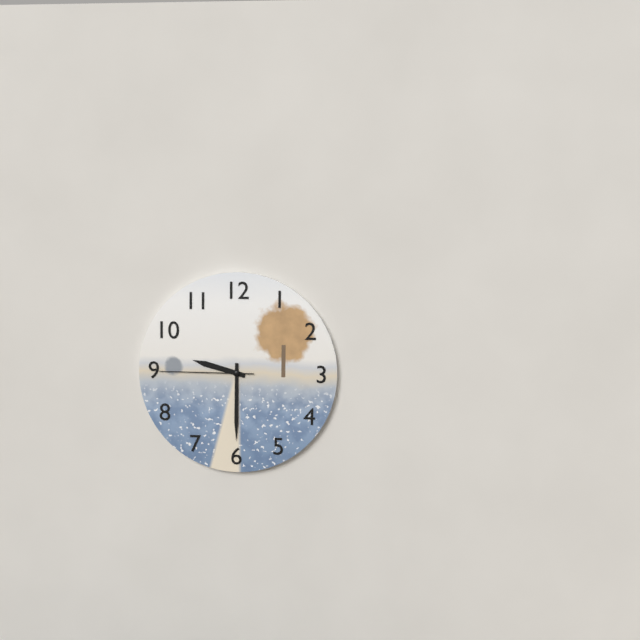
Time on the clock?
9:30:45
